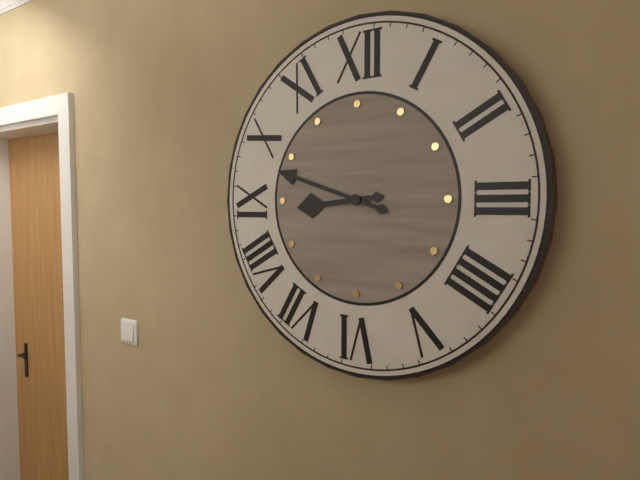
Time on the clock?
8:48
